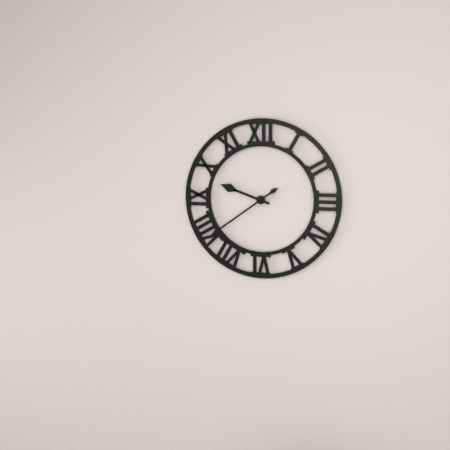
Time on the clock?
9:39
